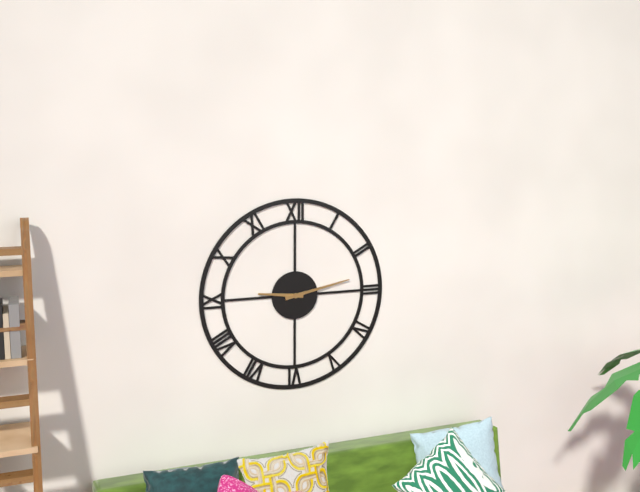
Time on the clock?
9:13
